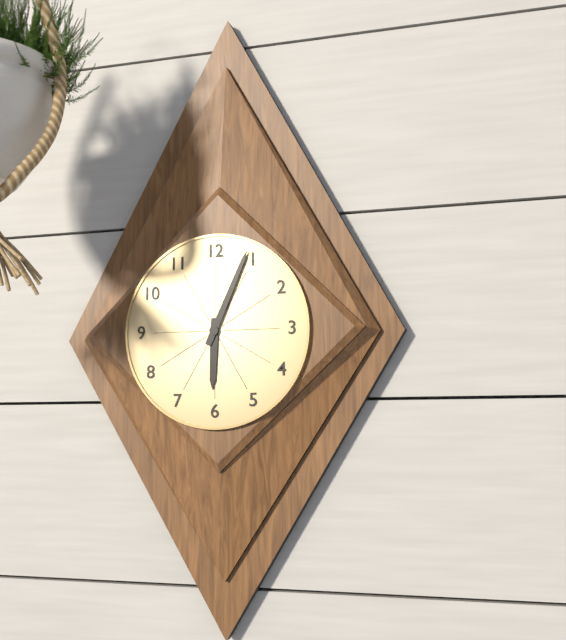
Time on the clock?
6:04
